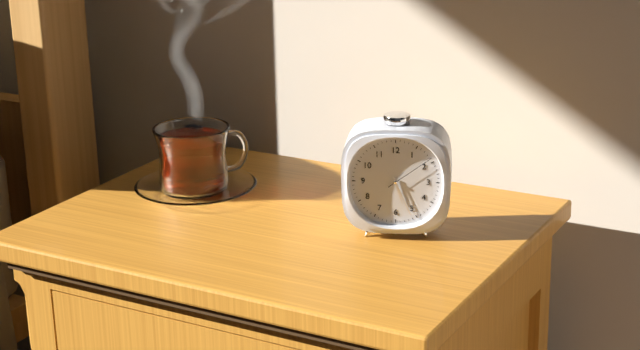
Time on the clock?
5:26:09
